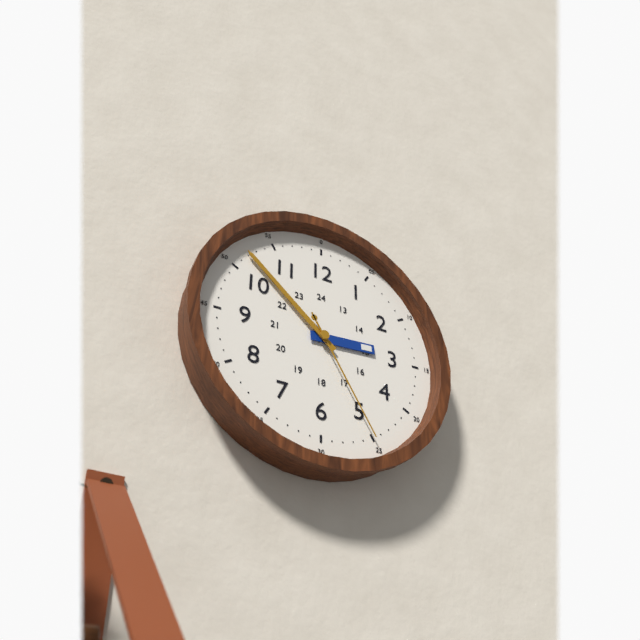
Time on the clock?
2:52:25
